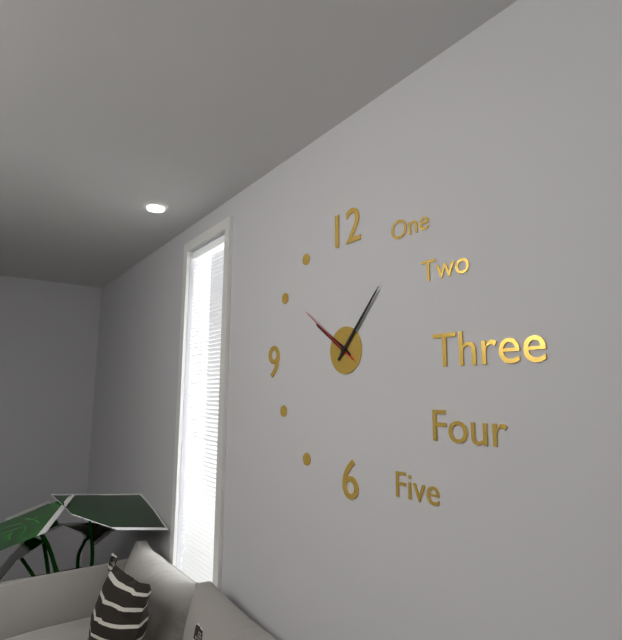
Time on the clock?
10:07:51
